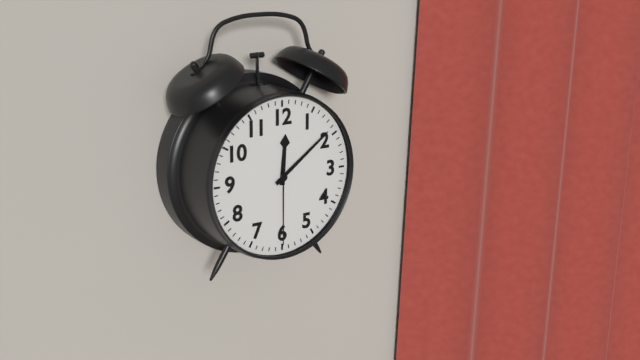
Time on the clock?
12:09:30
